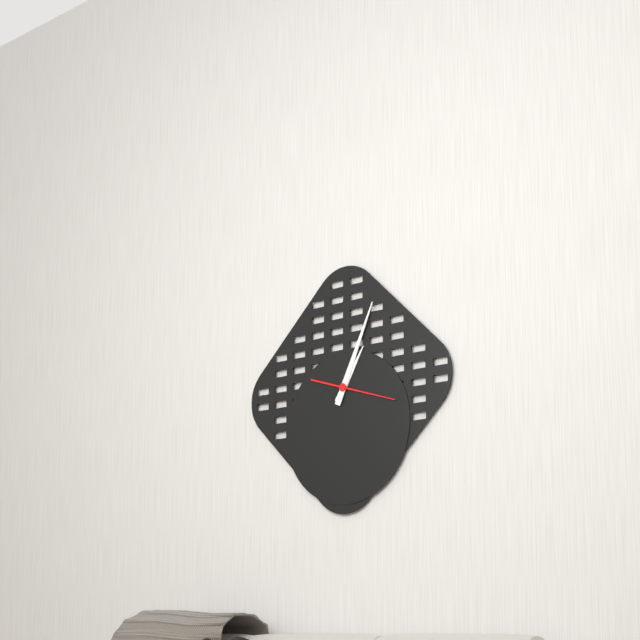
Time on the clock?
1:04:18
